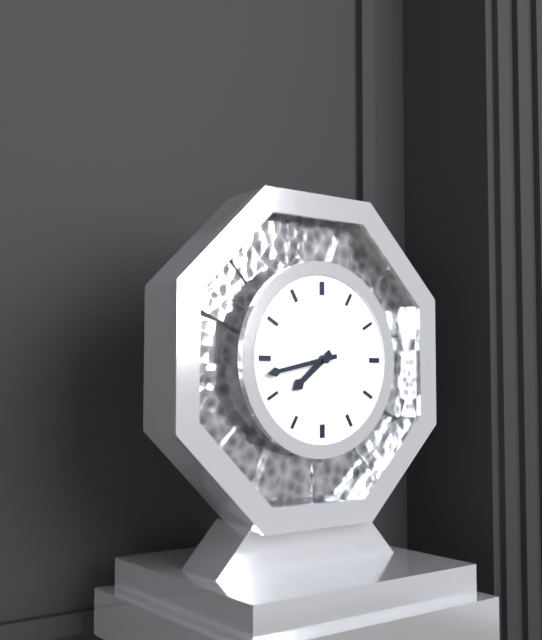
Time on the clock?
7:43
